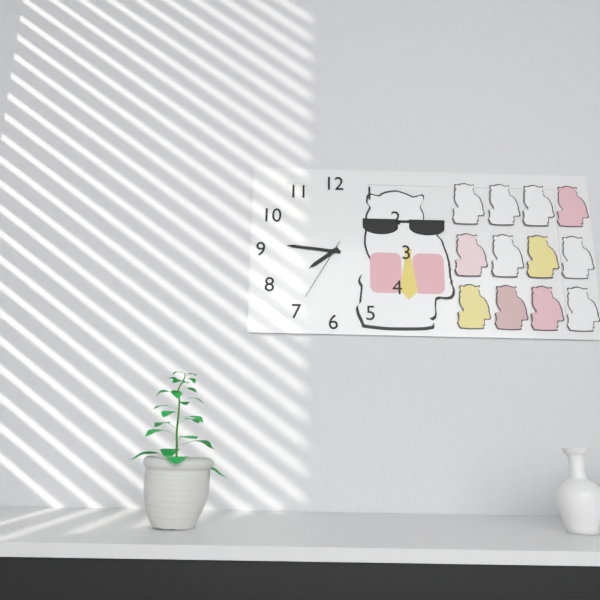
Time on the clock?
7:46:35
